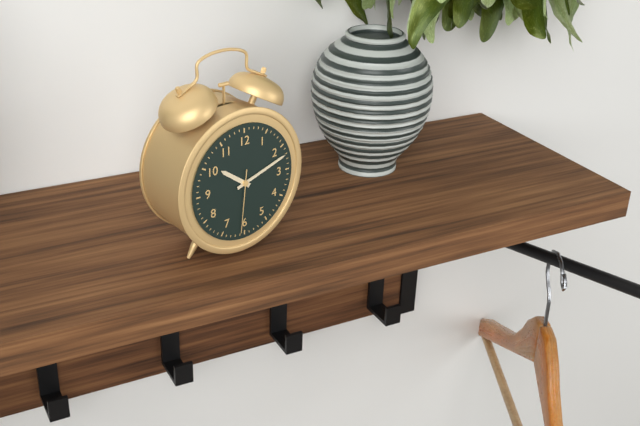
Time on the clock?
10:12:31
